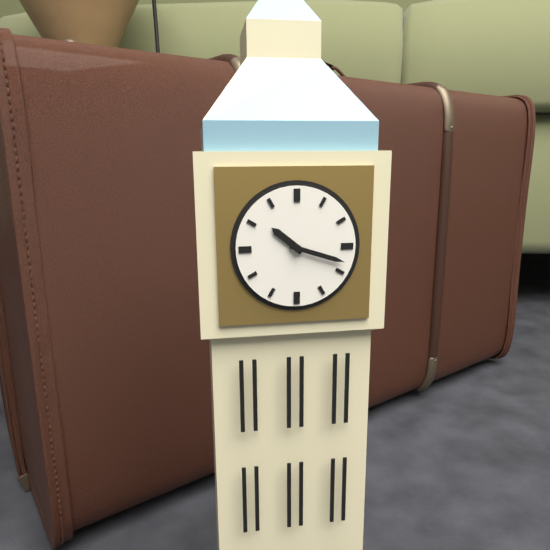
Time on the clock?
10:18
